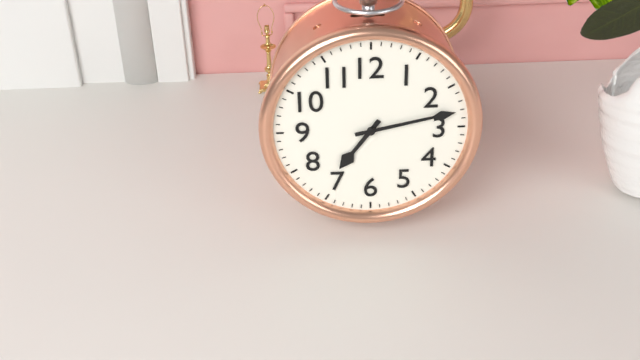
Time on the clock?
7:13
